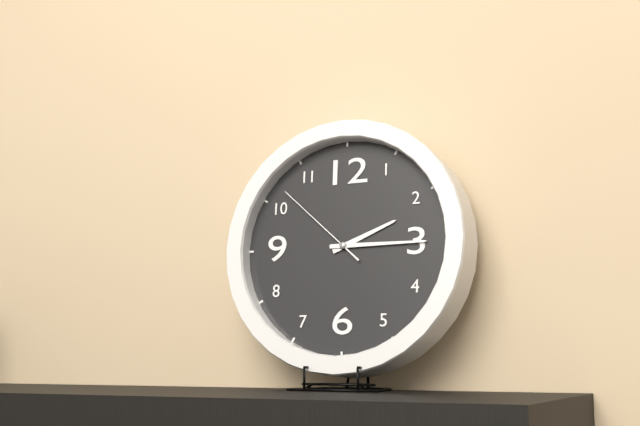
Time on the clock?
2:15:52
